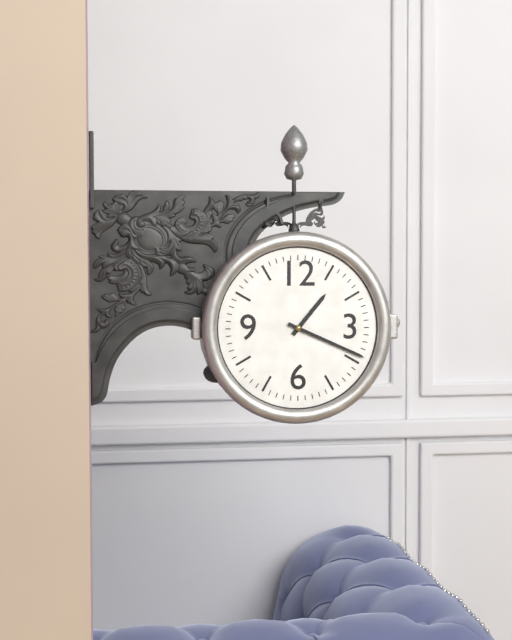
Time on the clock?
1:19
